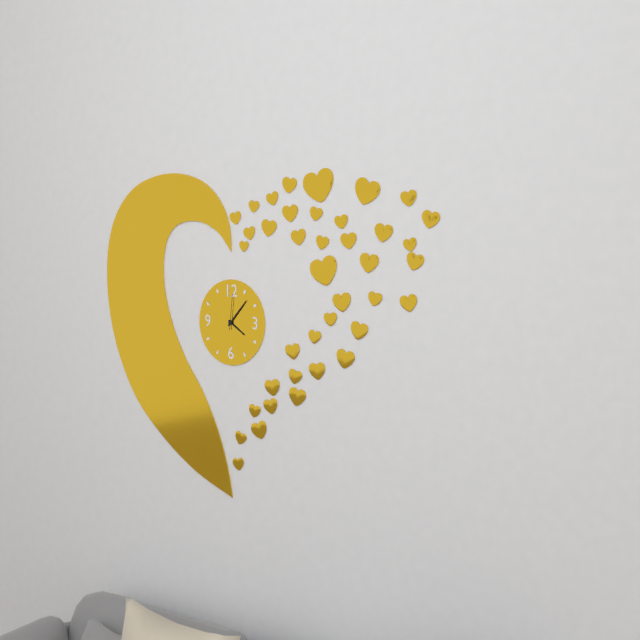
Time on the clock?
4:07
